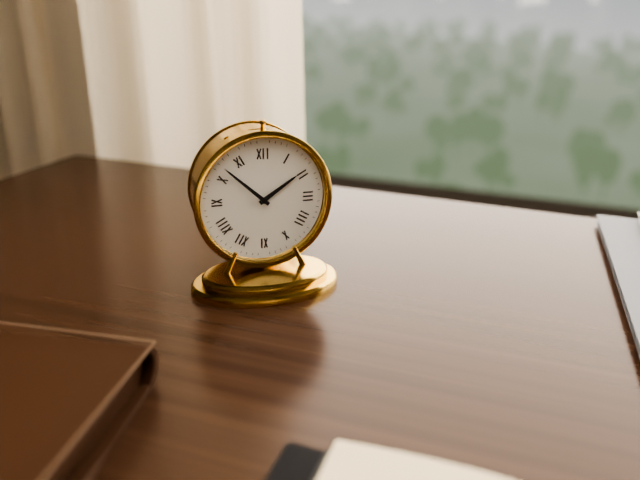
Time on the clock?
1:52
